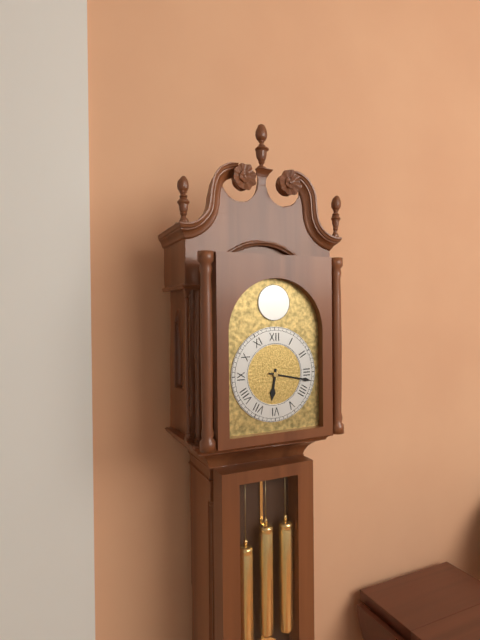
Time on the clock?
6:17
